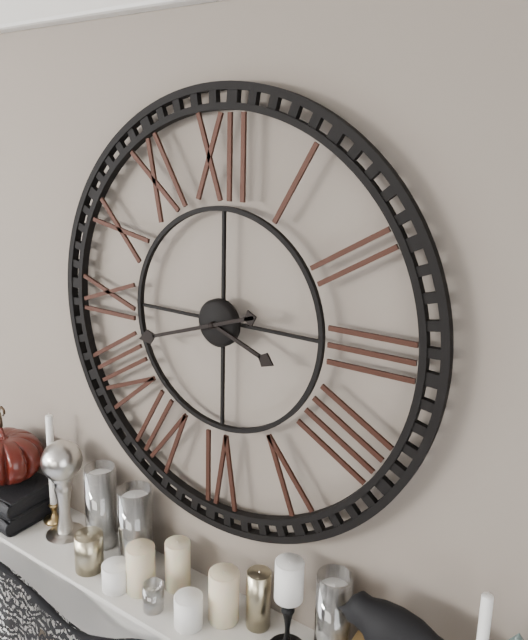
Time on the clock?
3:42
